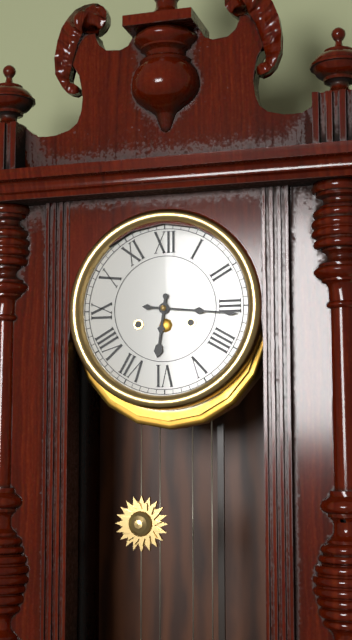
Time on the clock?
6:16
